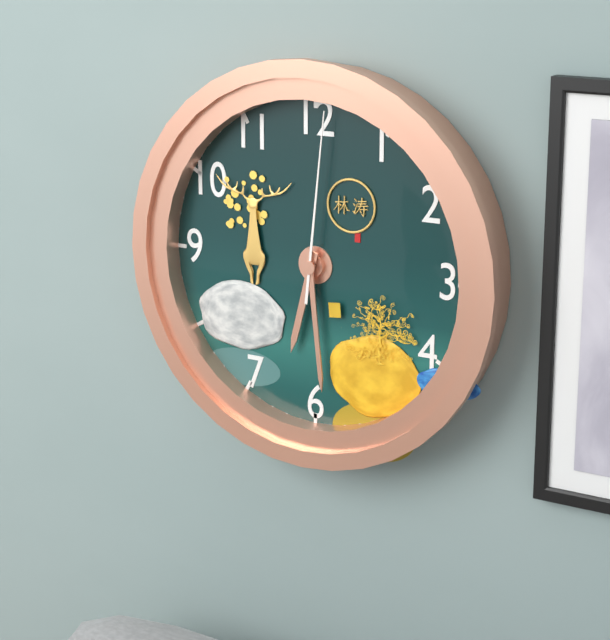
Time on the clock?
6:29:01
